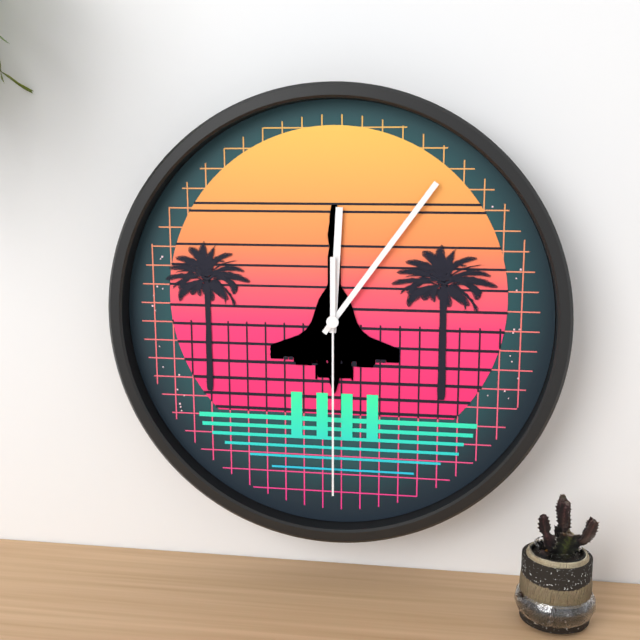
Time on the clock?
12:06:30
